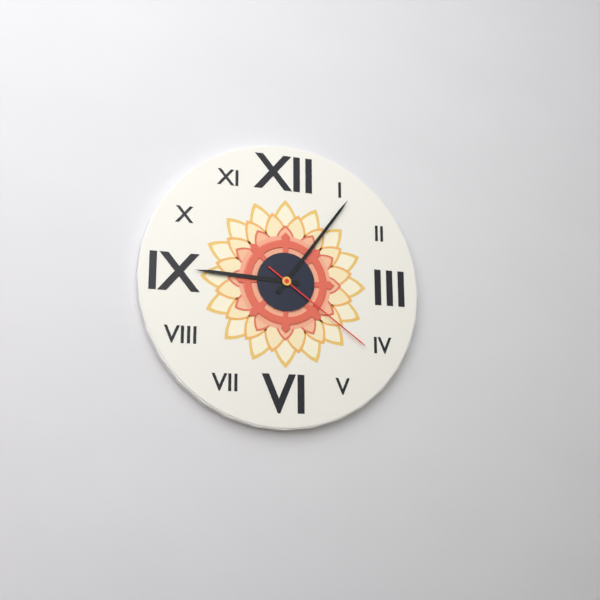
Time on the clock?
9:06:21
